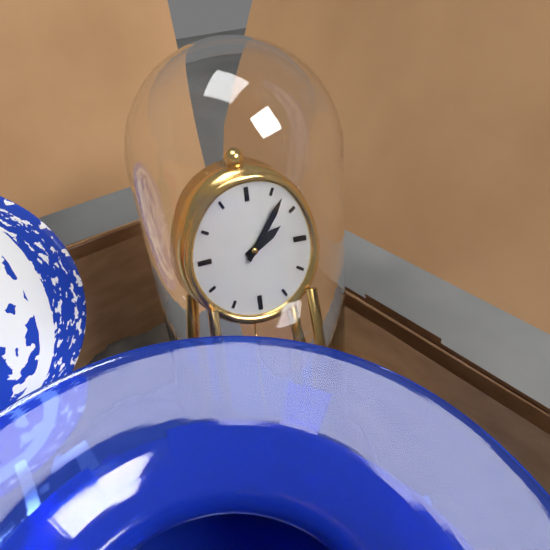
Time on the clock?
2:07
